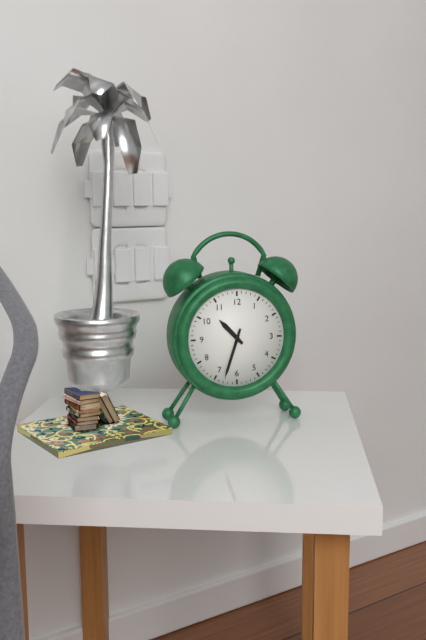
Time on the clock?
10:33
